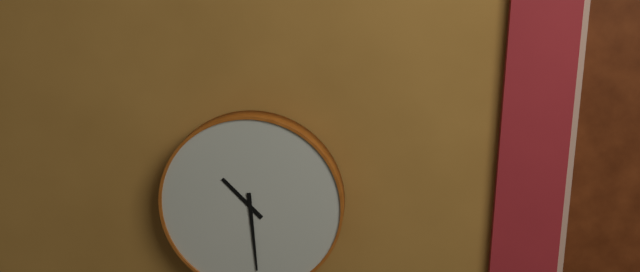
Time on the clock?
10:29
